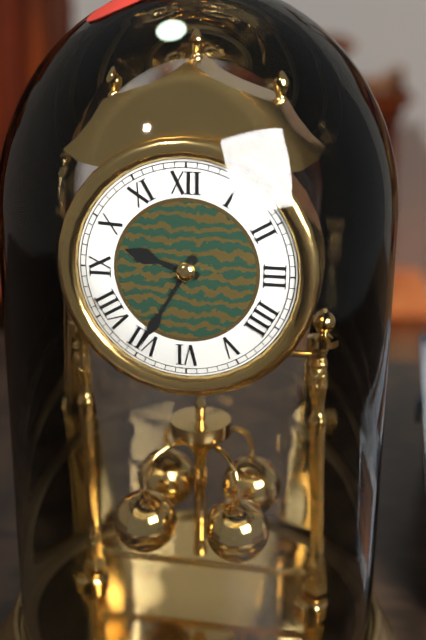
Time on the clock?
9:35
